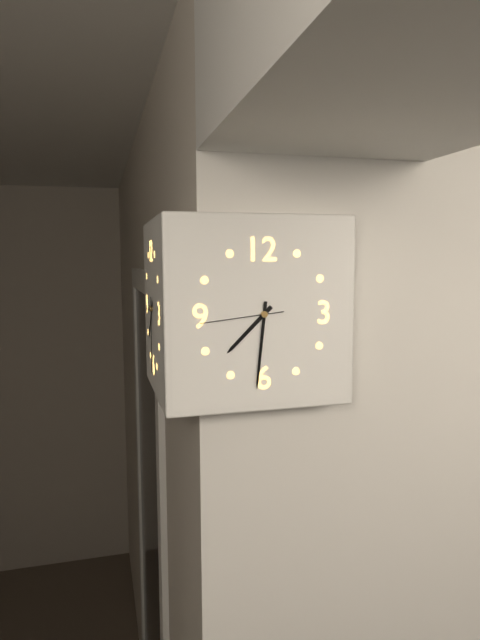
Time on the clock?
7:31:44
